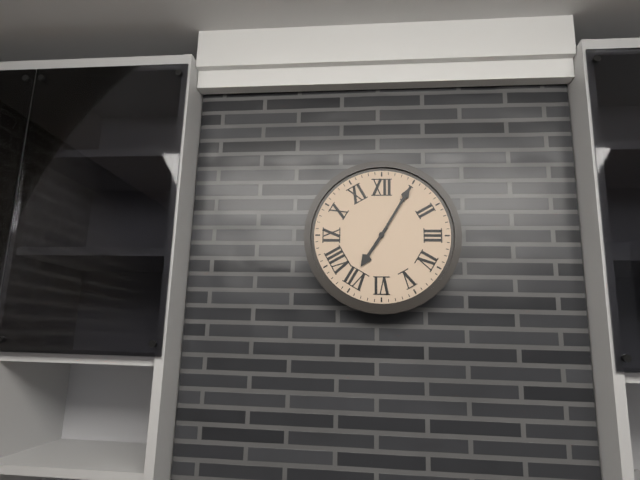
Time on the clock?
7:05
